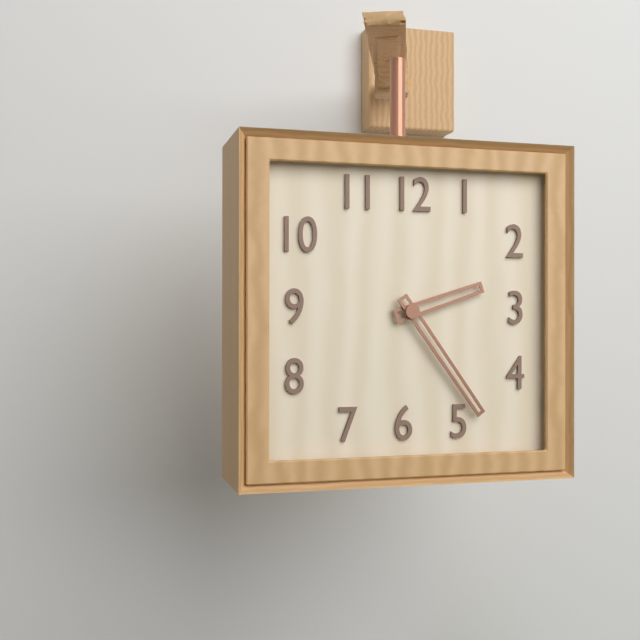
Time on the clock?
2:24
